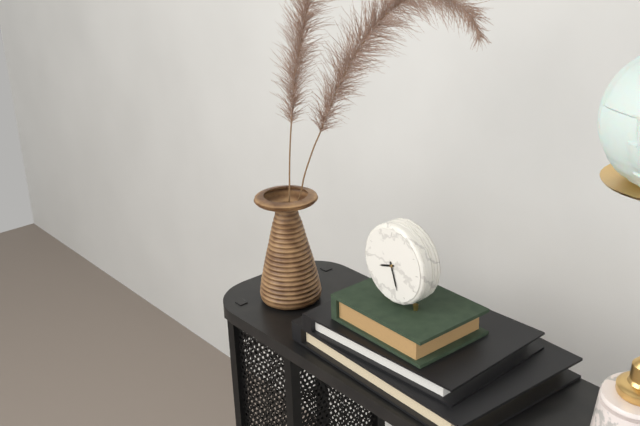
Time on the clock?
8:27
